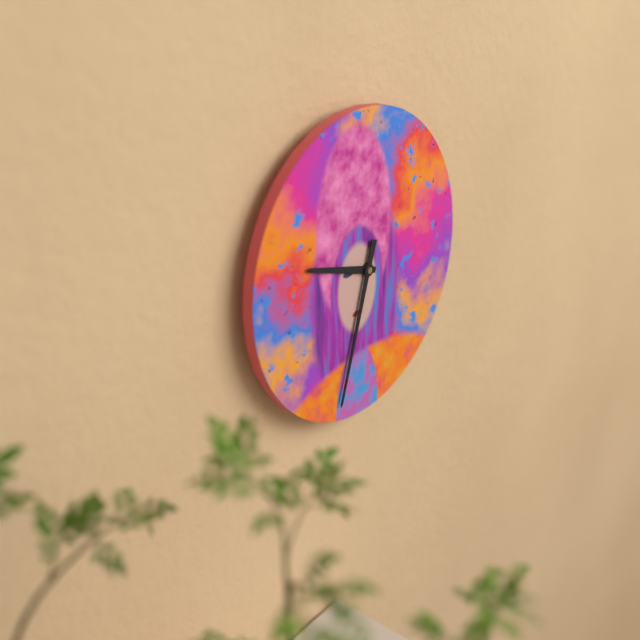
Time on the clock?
9:33
